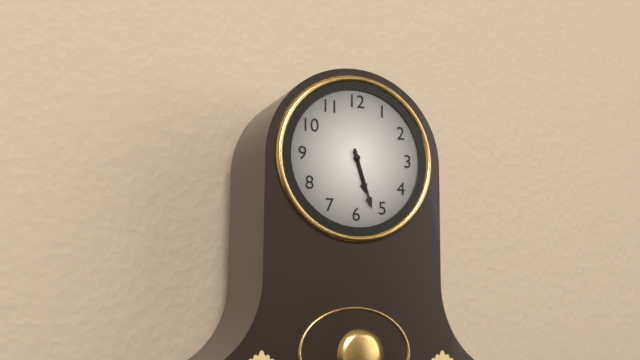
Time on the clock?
5:27
